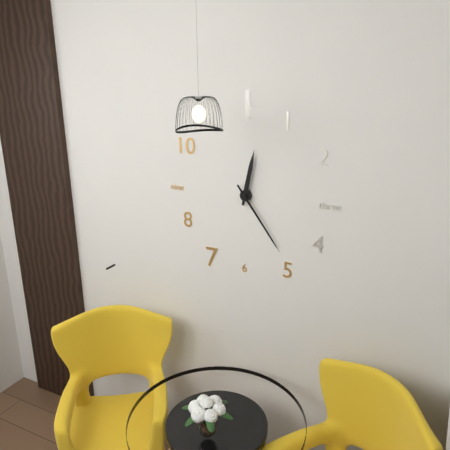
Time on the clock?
12:24
